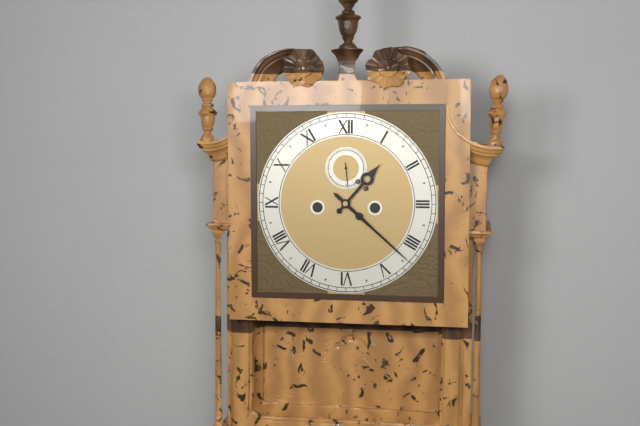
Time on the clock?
1:22
